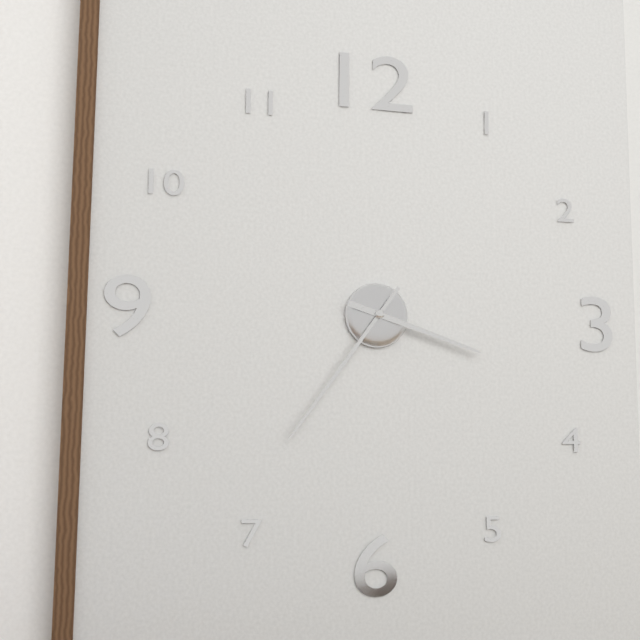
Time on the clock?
3:36
